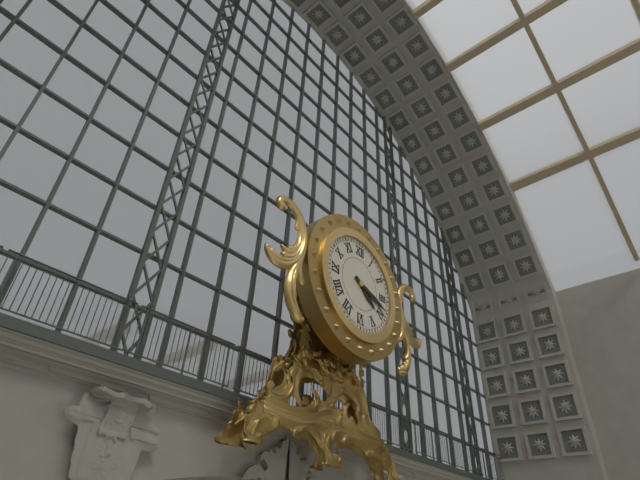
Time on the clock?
4:18
